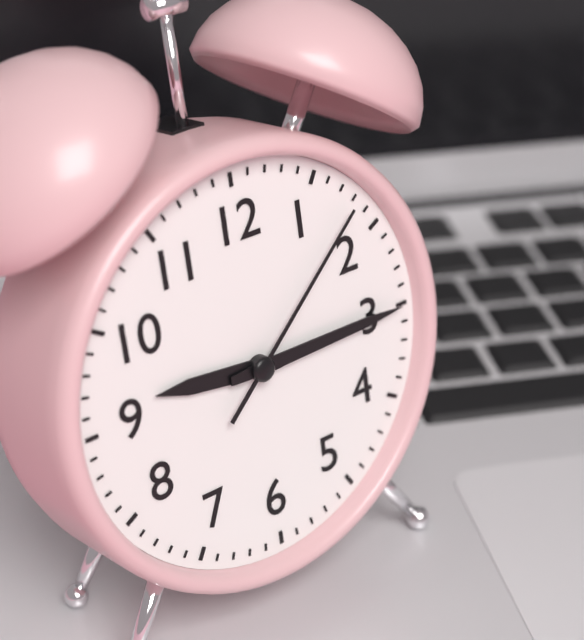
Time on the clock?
9:15:08
